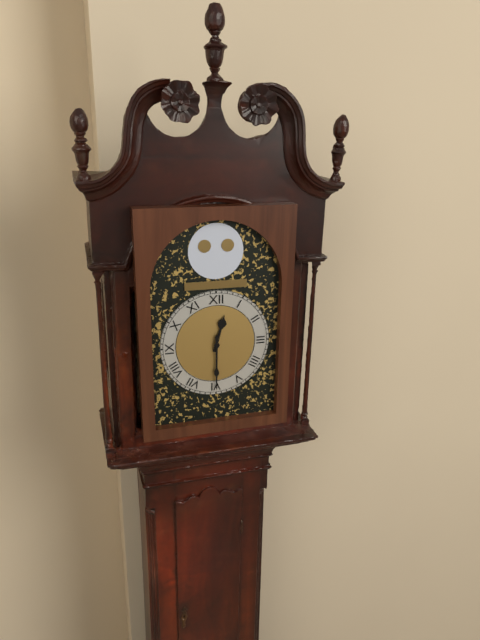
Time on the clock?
12:30
